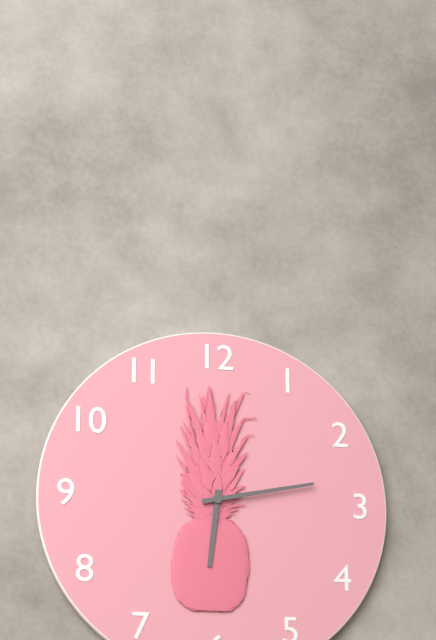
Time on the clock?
6:13
